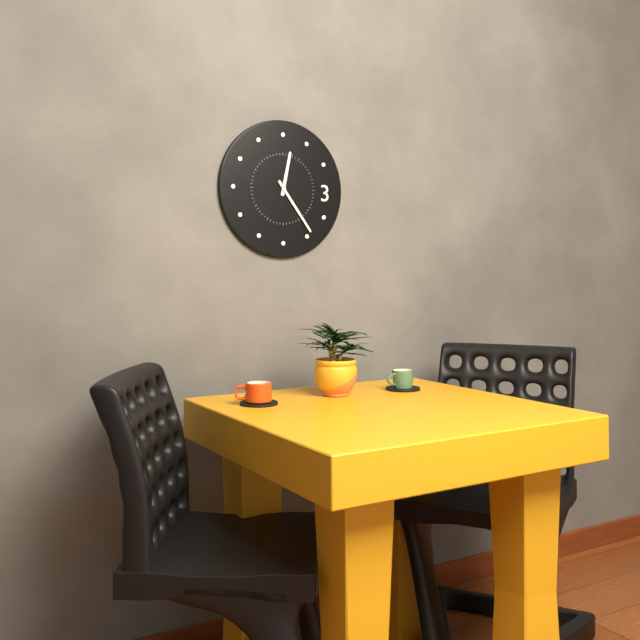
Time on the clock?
12:24
